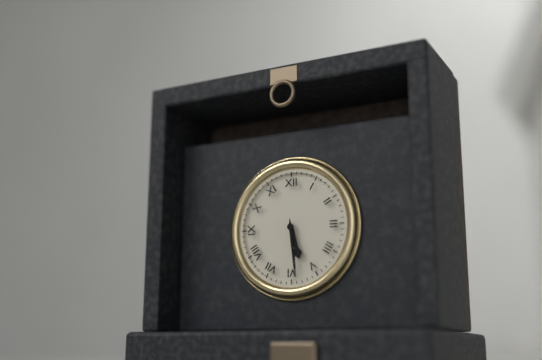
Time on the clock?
5:29
